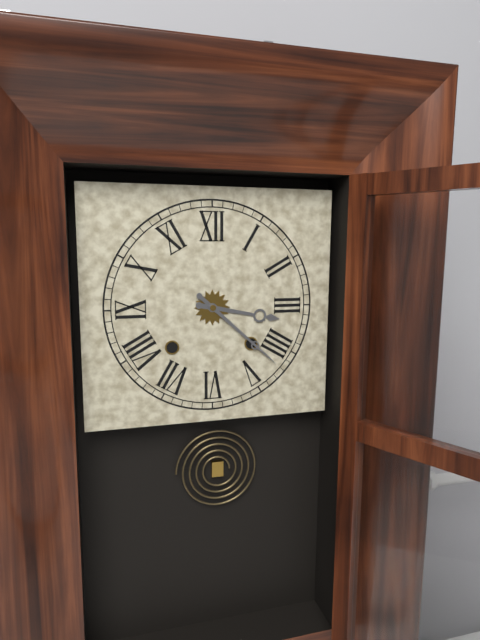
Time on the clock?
3:22
